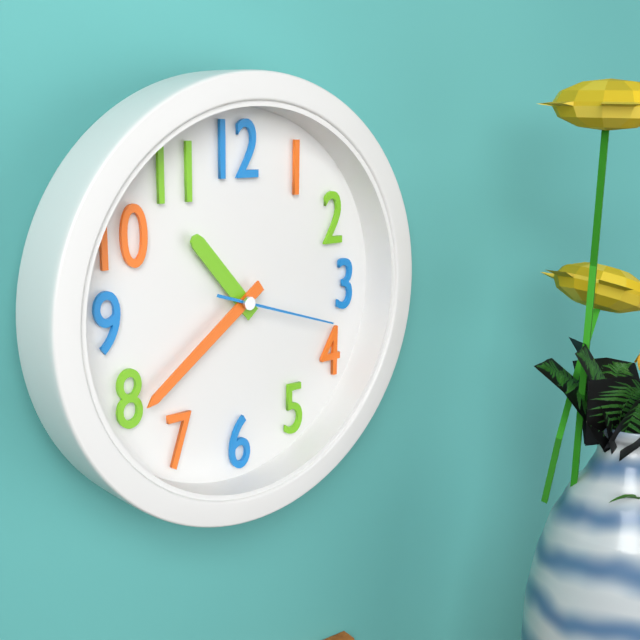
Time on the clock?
10:39:18
